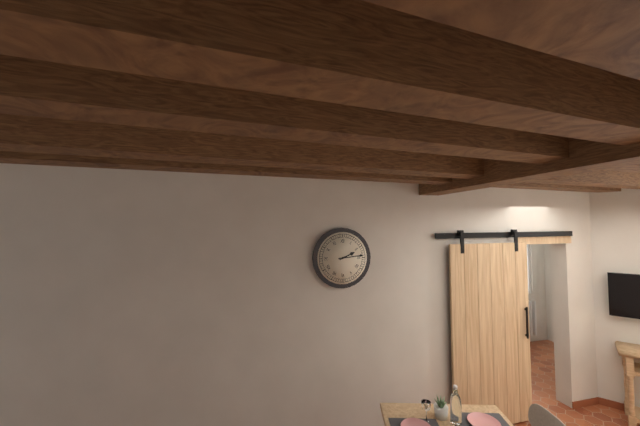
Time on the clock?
2:14
